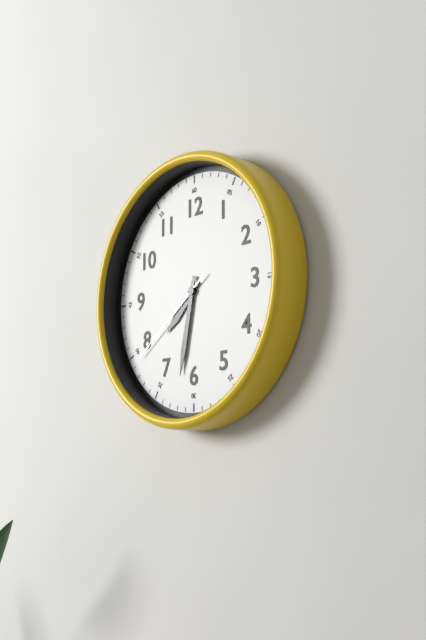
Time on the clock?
7:32:39
